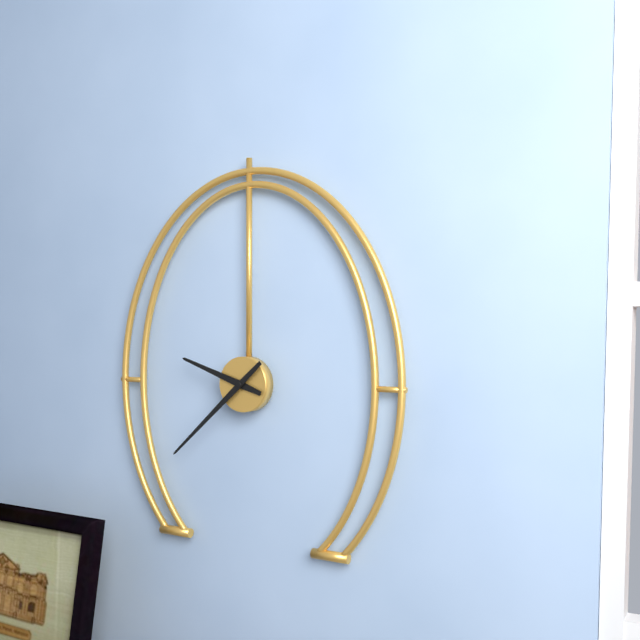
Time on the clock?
9:38
